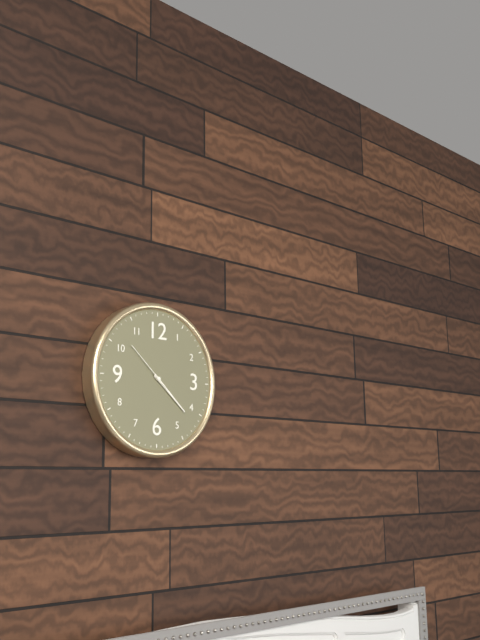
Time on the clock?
4:22:52
